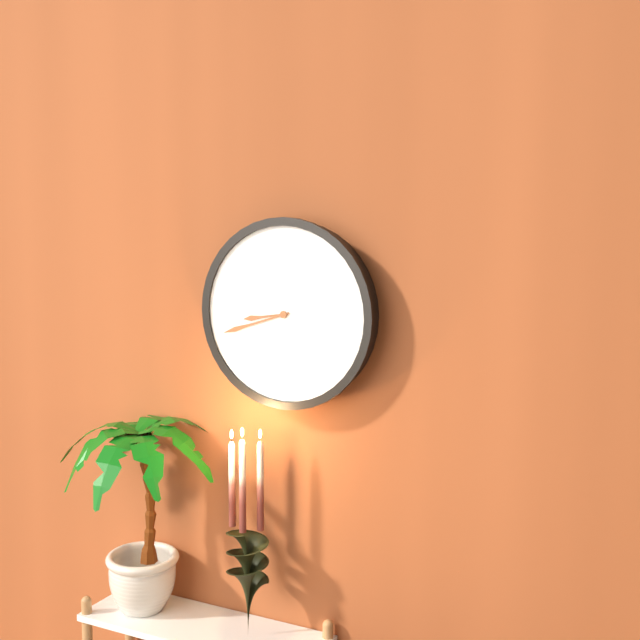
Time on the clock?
8:42
